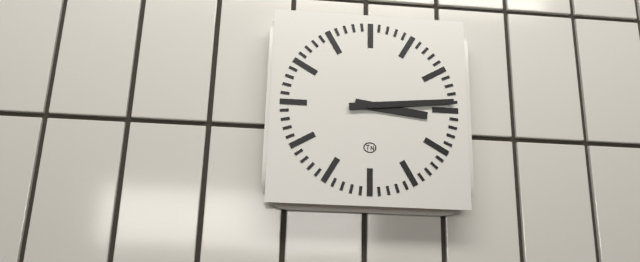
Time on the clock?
3:14
